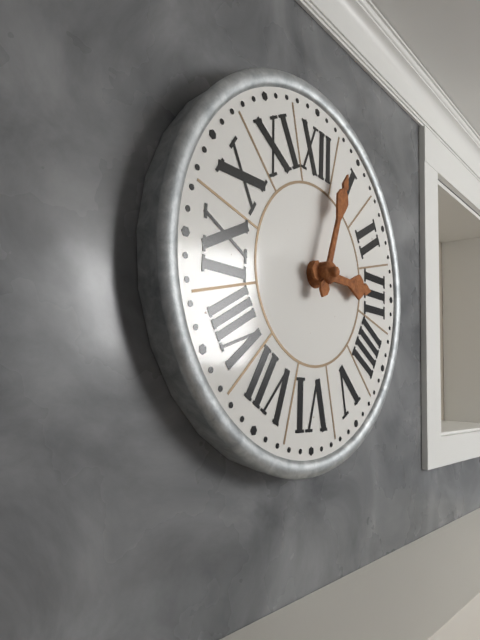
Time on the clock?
3:03
